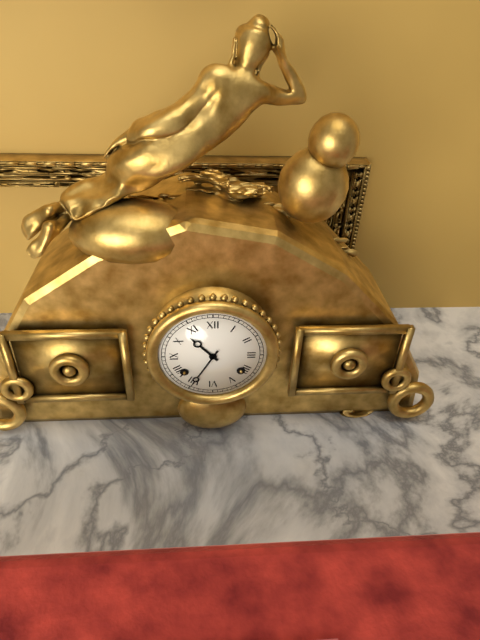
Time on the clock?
10:35
